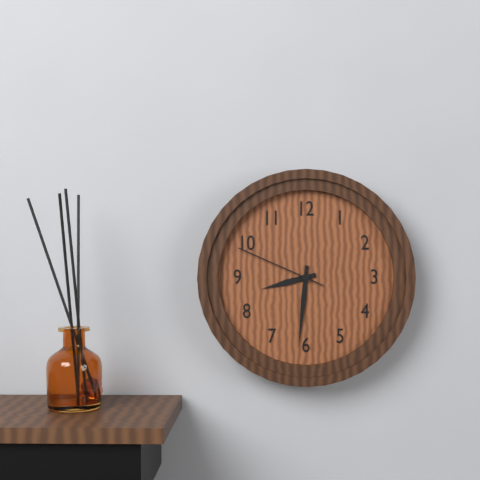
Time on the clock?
8:31:49
